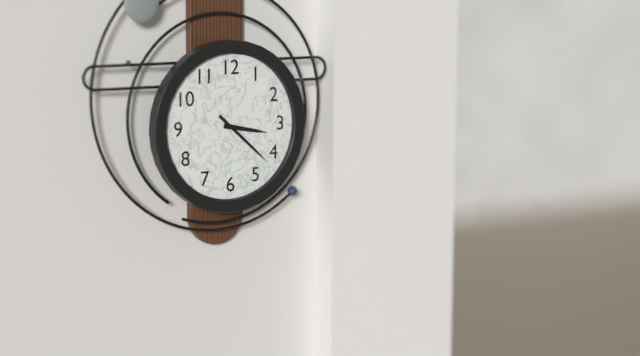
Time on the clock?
3:22
